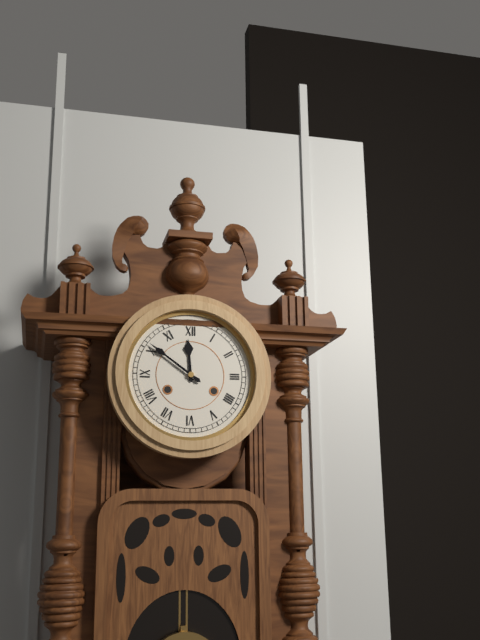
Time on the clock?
11:51
